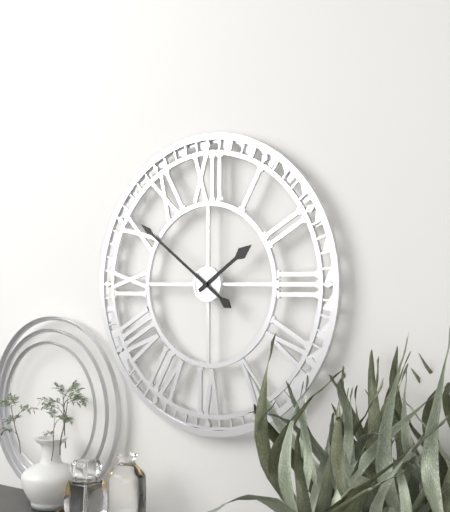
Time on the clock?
1:51
